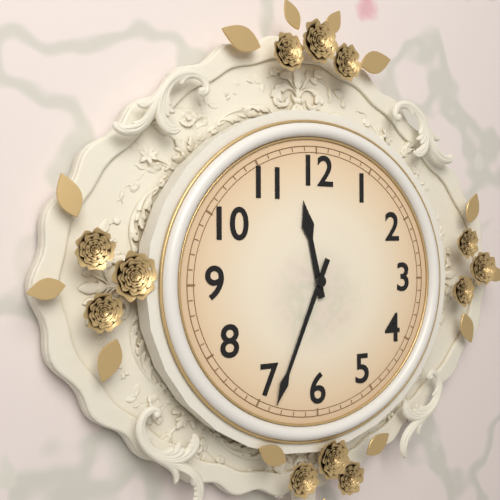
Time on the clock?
11:34
